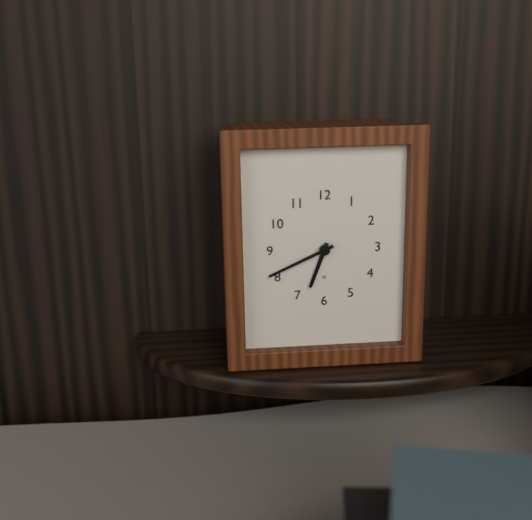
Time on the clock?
6:41
